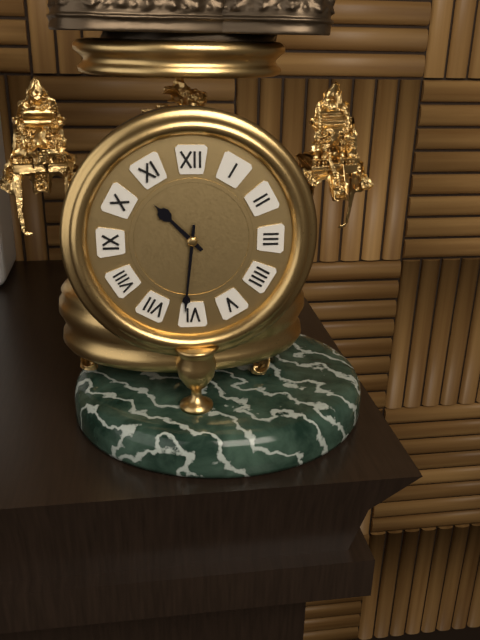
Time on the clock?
10:31
